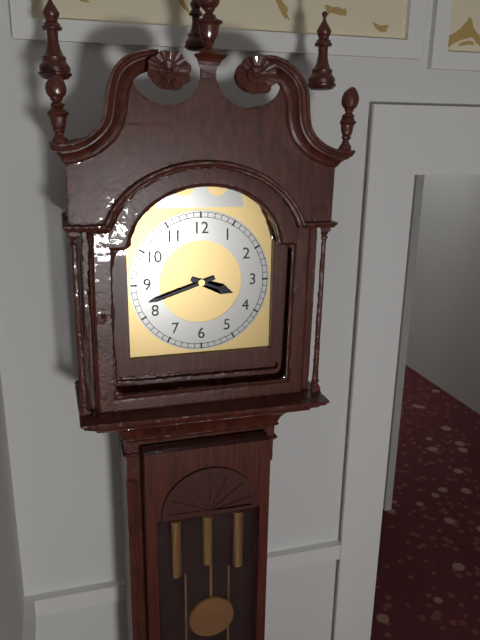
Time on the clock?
3:42
